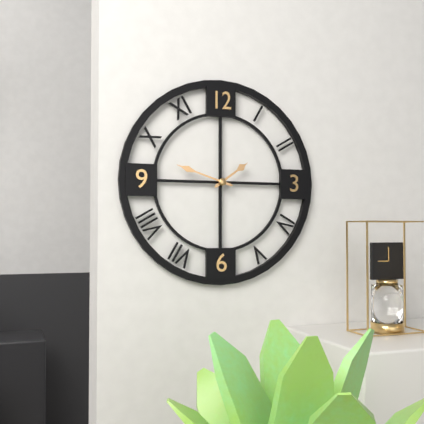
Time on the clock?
1:48
